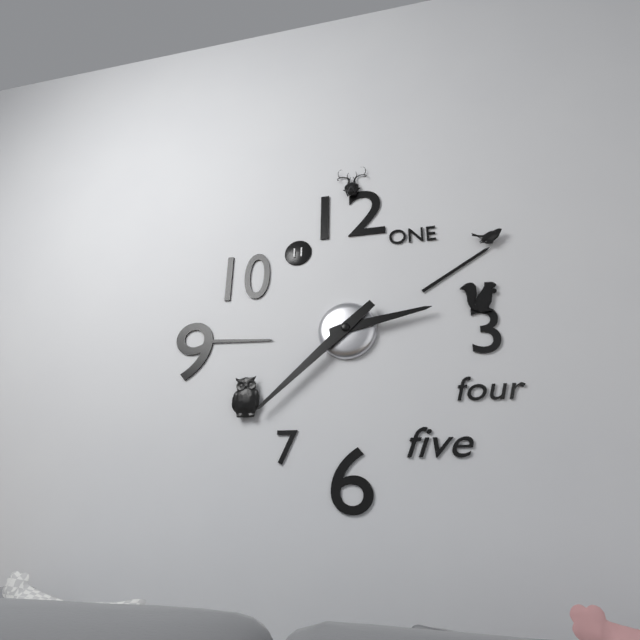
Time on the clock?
2:38
